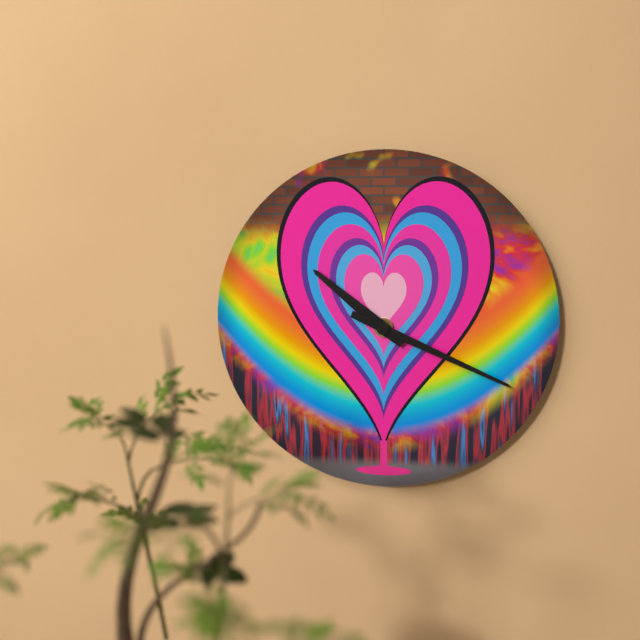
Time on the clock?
10:19
